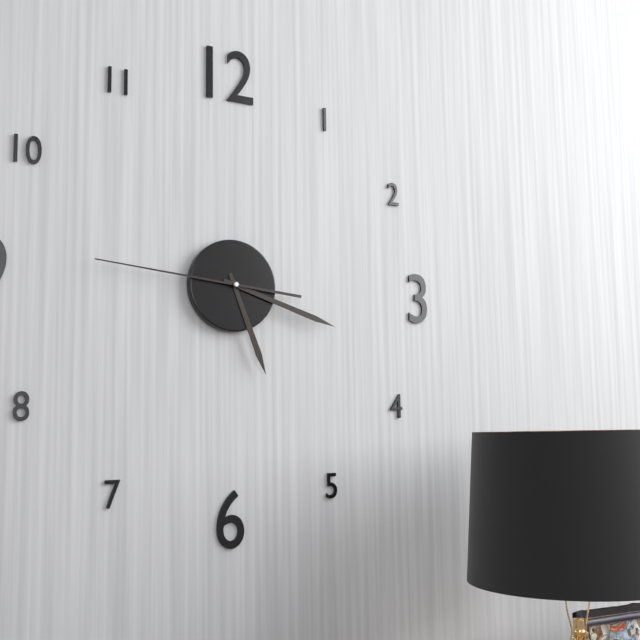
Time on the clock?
5:18:46
